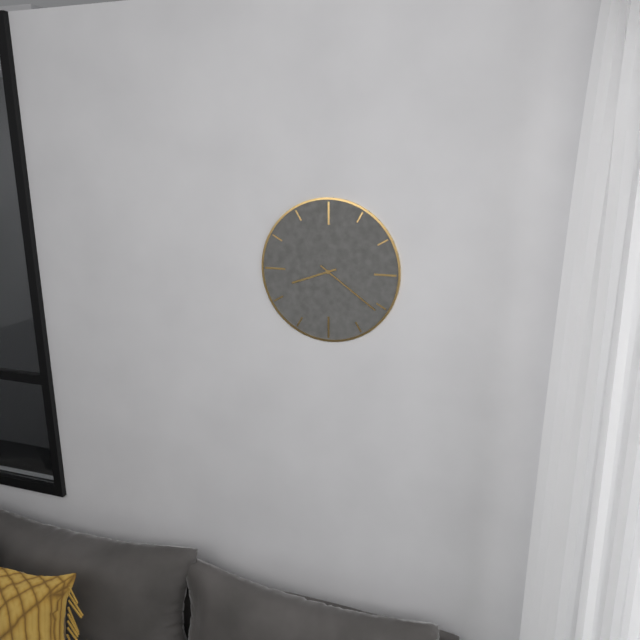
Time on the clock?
8:21
